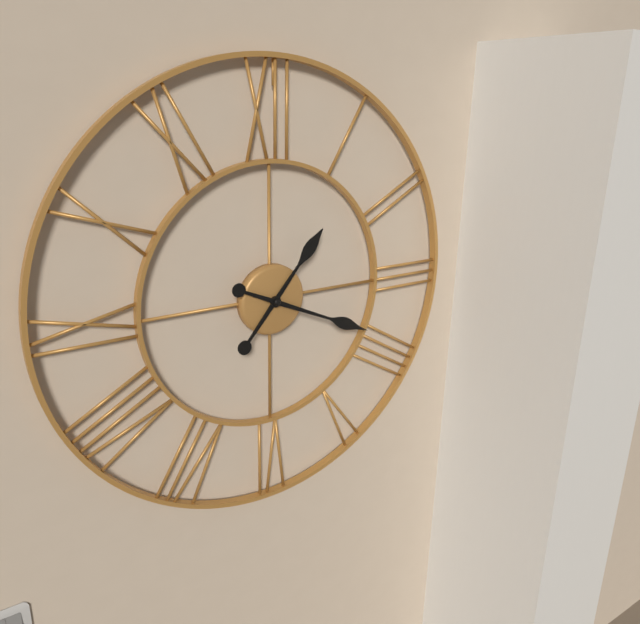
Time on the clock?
1:19
